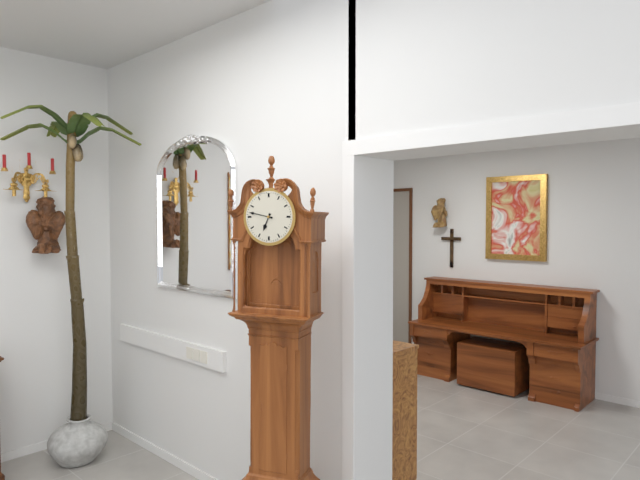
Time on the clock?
6:47
